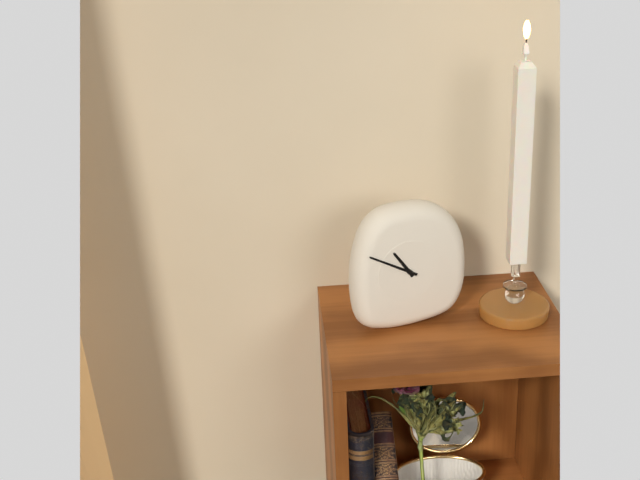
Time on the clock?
10:50
